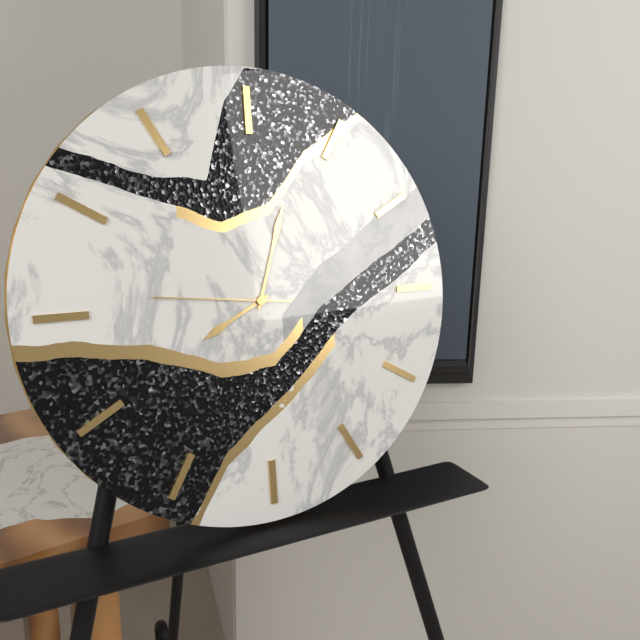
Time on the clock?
8:03:46
